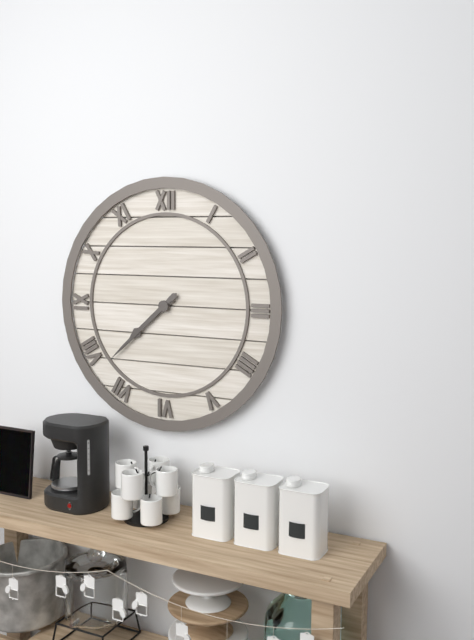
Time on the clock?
7:38
